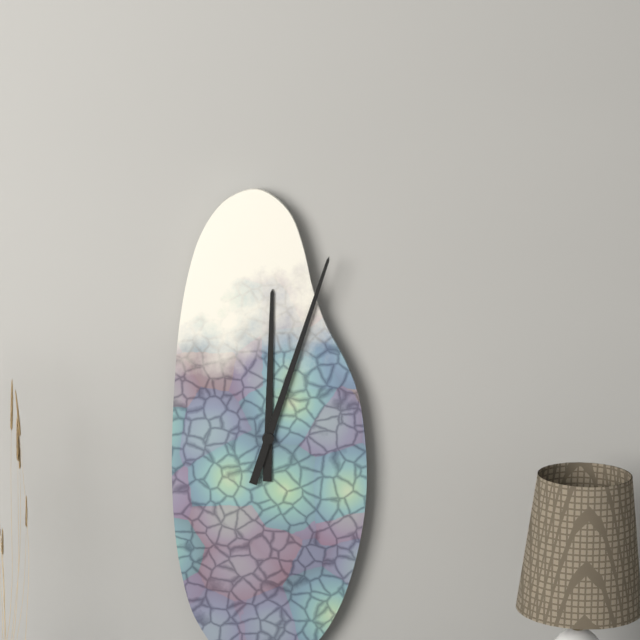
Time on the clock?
12:03
